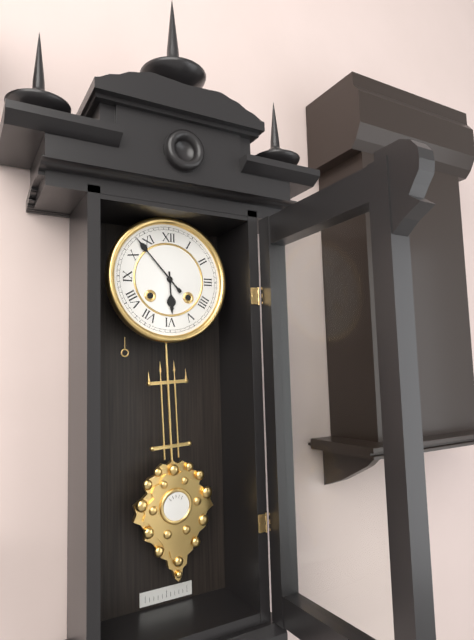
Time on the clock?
5:53
